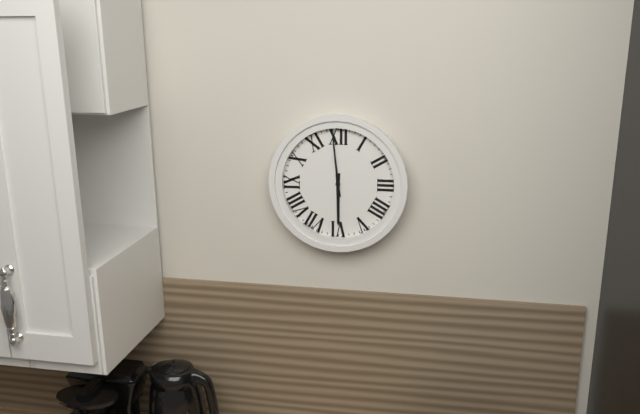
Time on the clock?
5:59
